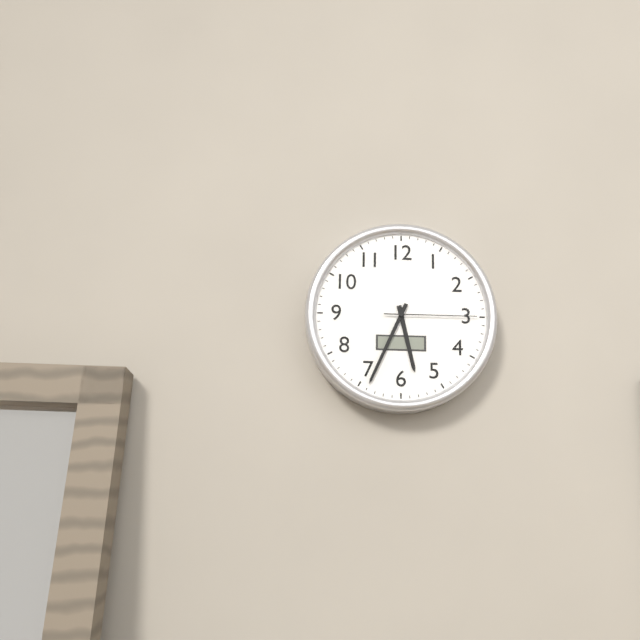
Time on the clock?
5:34:15
